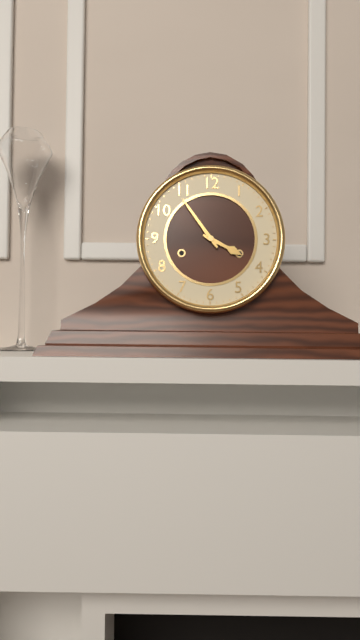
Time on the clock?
3:54
